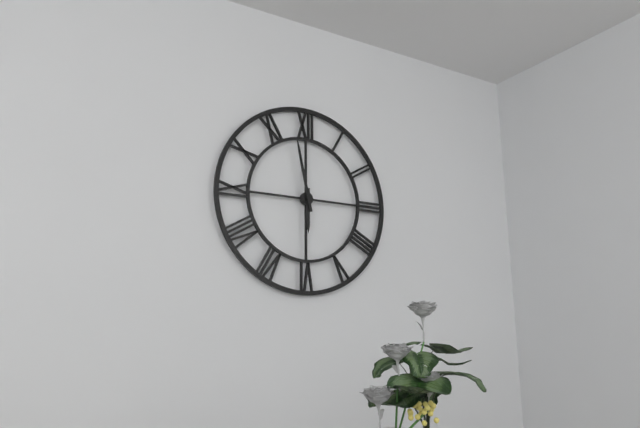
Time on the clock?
5:58
